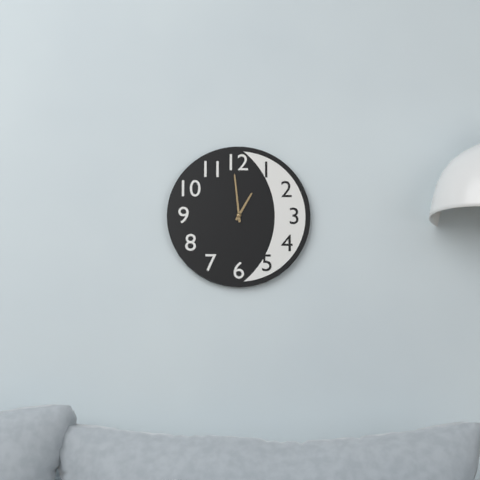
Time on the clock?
12:59
